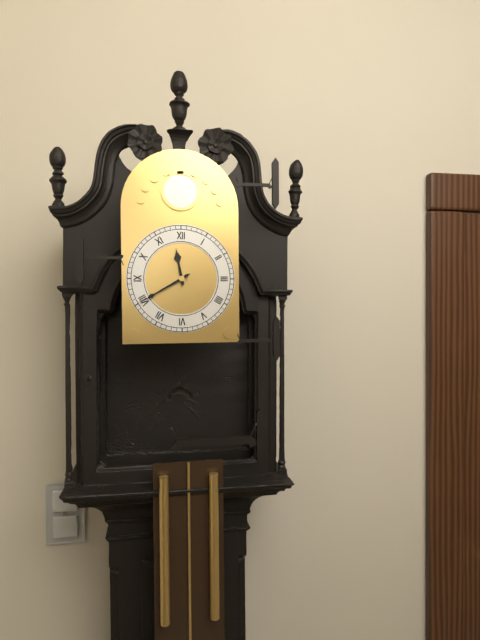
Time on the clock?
11:40
